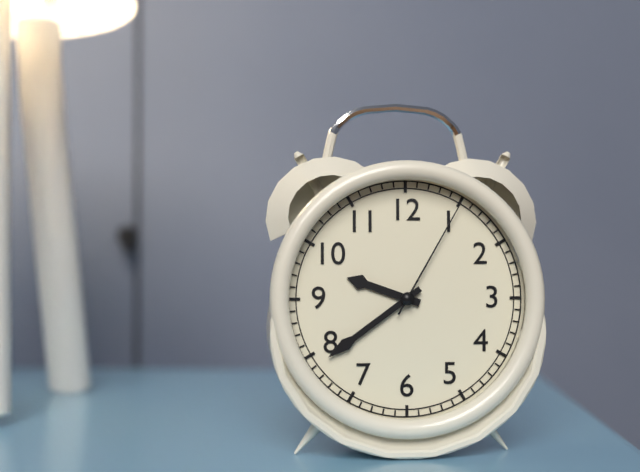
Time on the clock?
9:39:05
